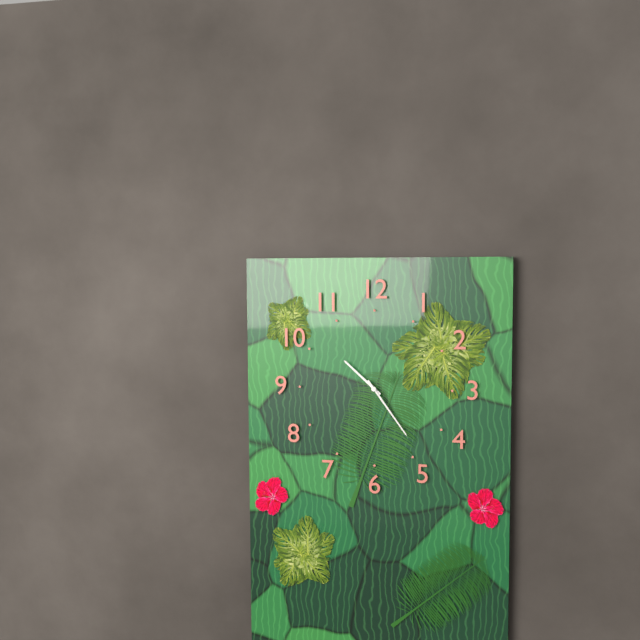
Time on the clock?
10:24
